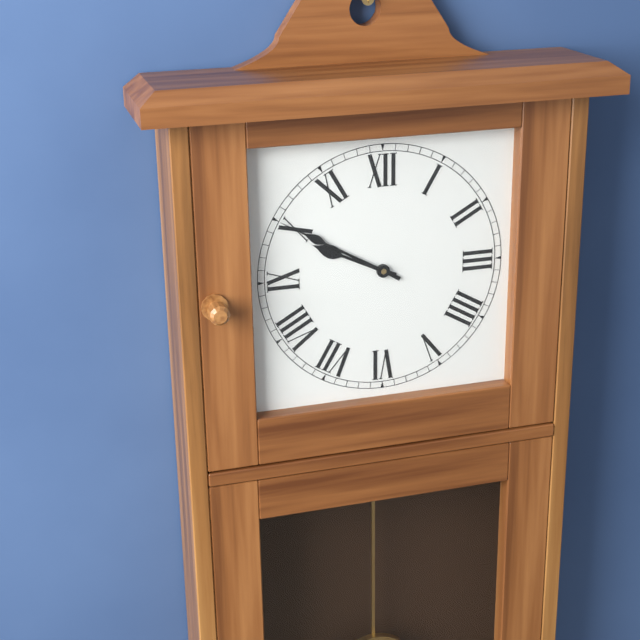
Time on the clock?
9:50
